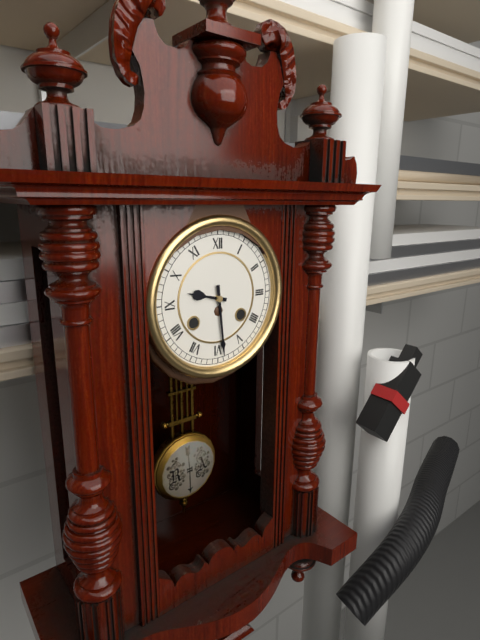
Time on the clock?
9:29
